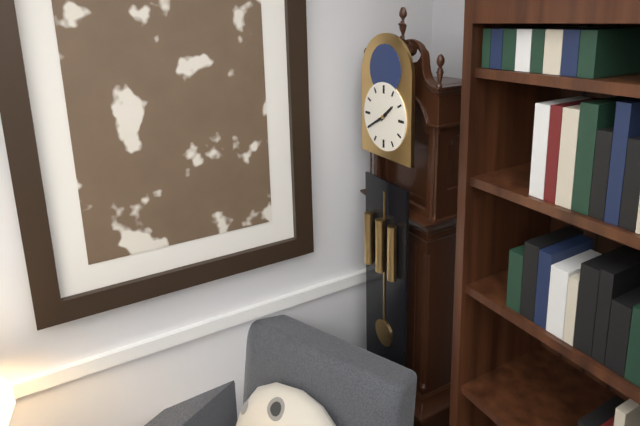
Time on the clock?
1:40
